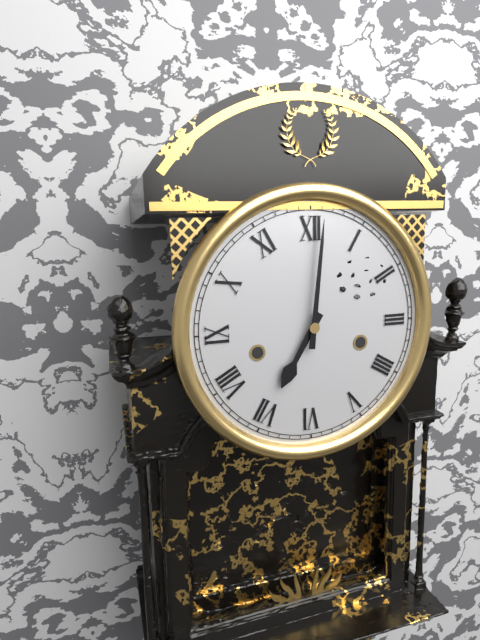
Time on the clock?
7:01
